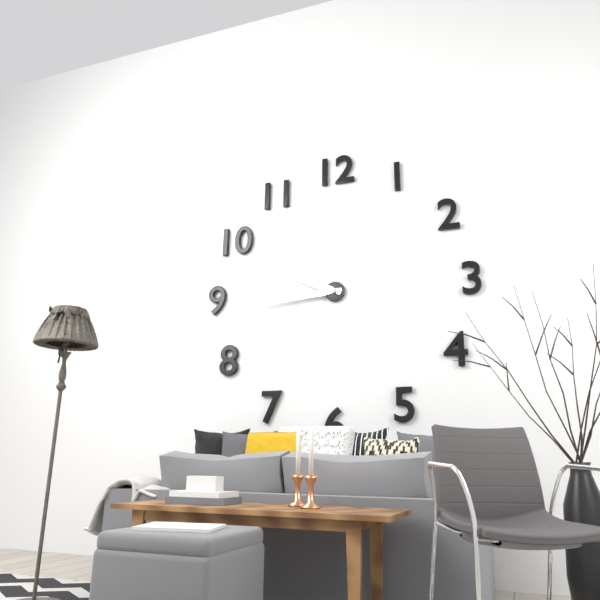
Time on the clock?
9:44
